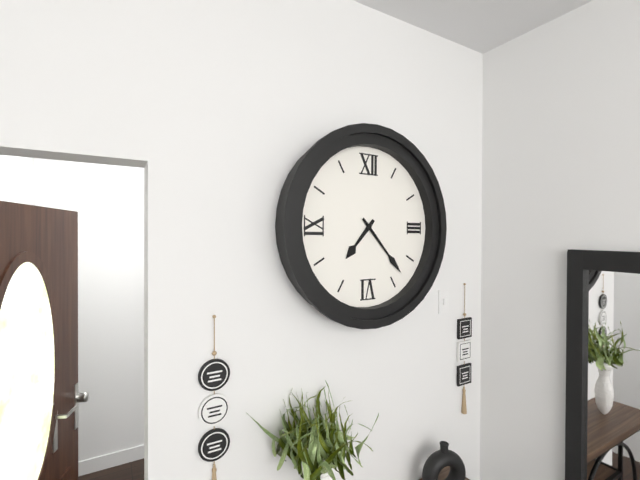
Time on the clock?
7:23
